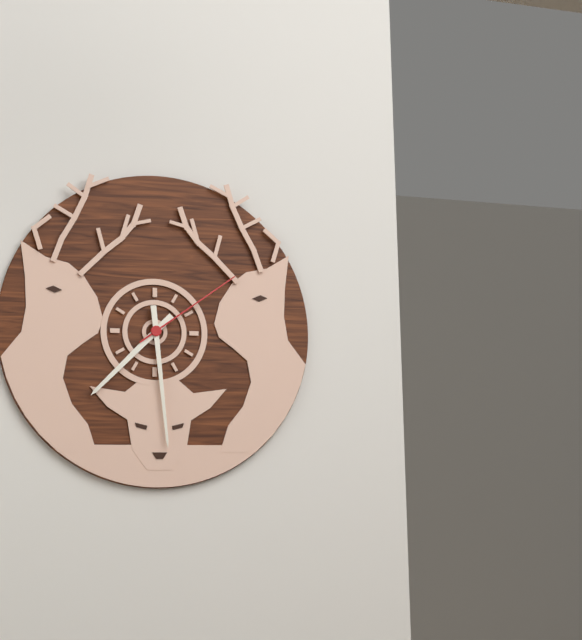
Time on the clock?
7:29:09
